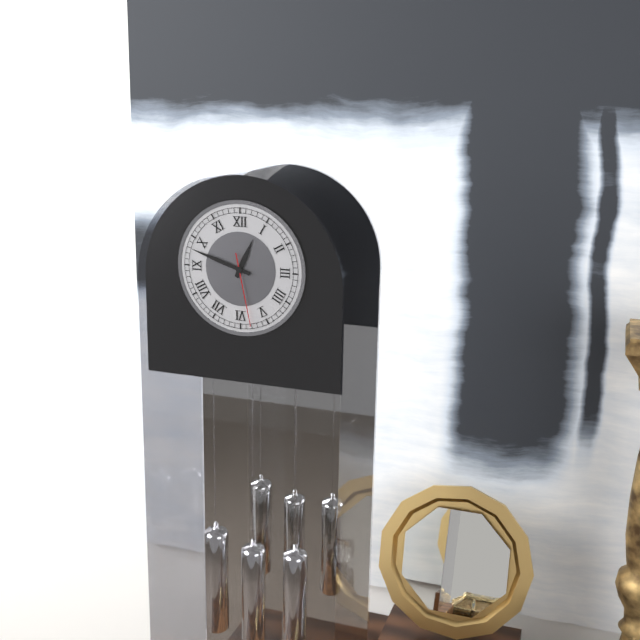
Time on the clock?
12:48:28
